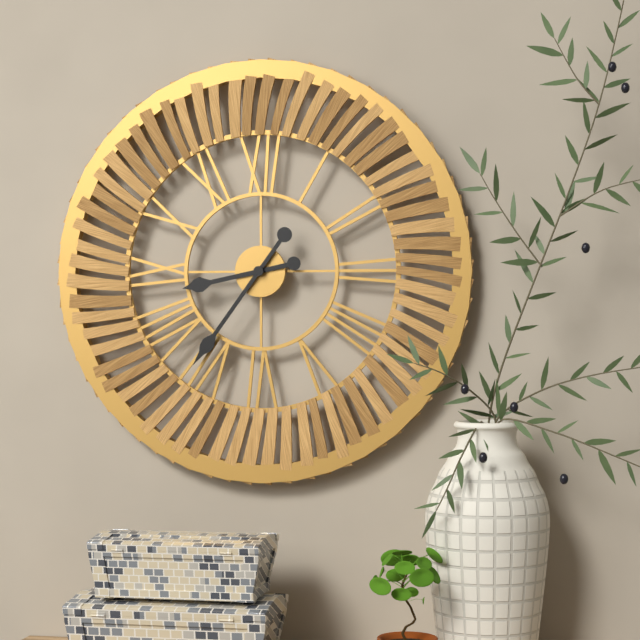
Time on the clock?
8:36
